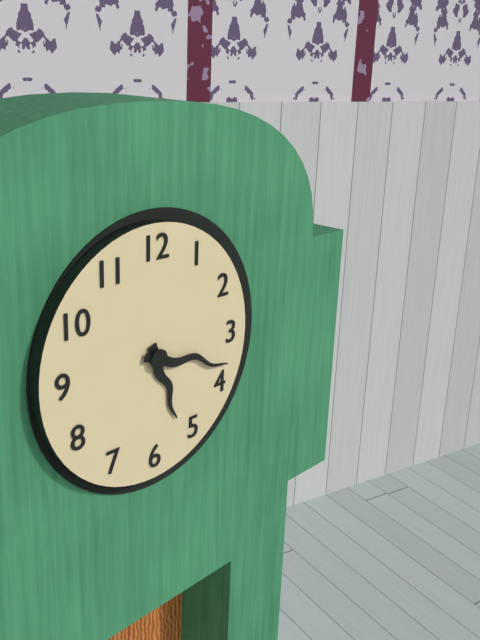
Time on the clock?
5:18
